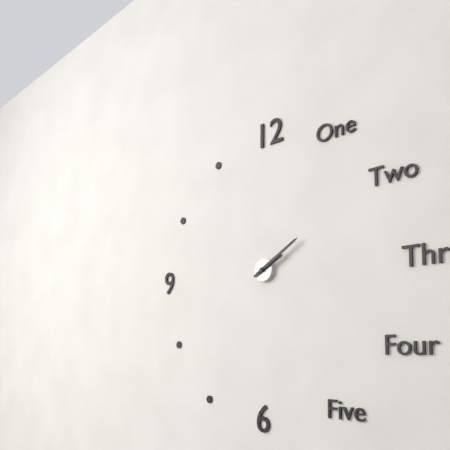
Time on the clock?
2:10
